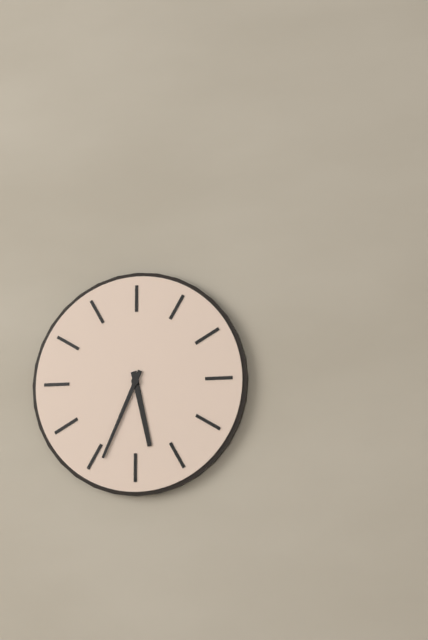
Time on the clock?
5:34
